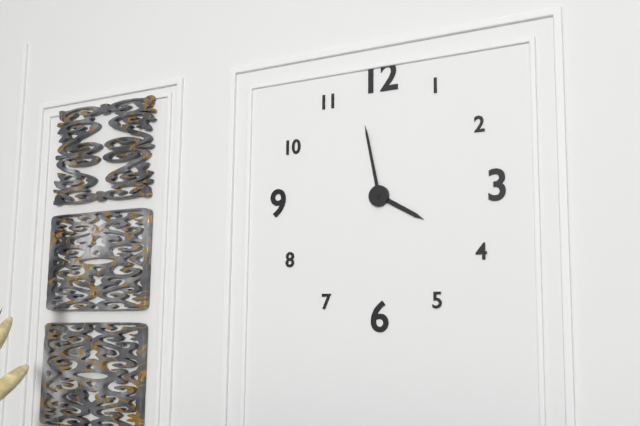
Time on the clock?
3:58
